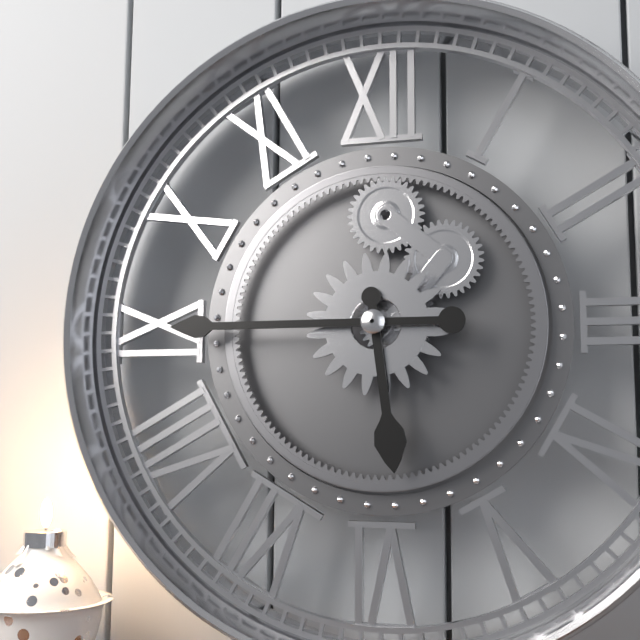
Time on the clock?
5:45
